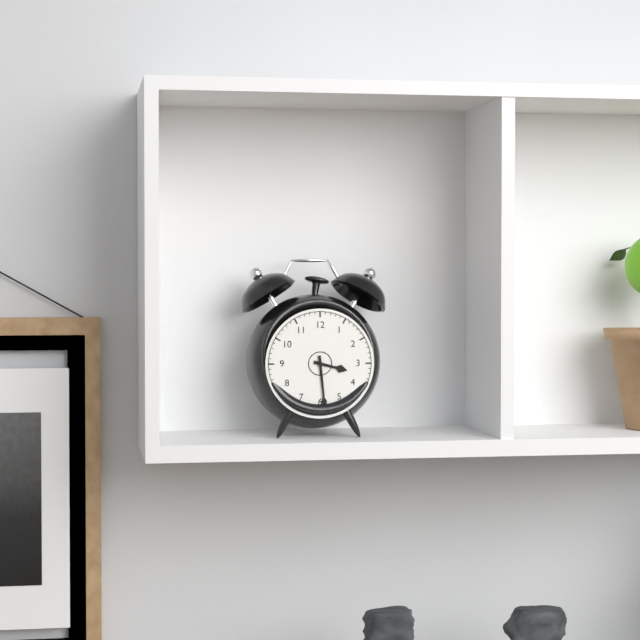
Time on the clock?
3:29
